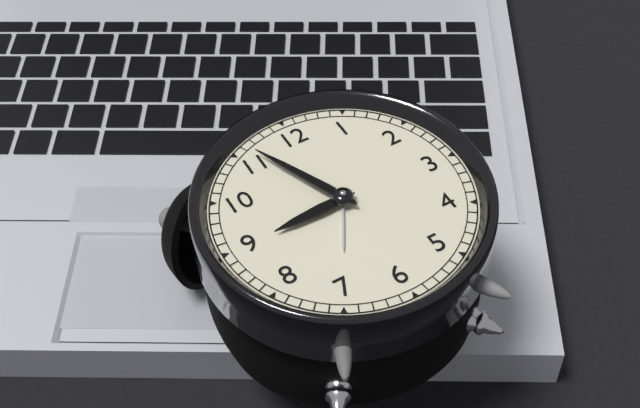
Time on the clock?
8:56
